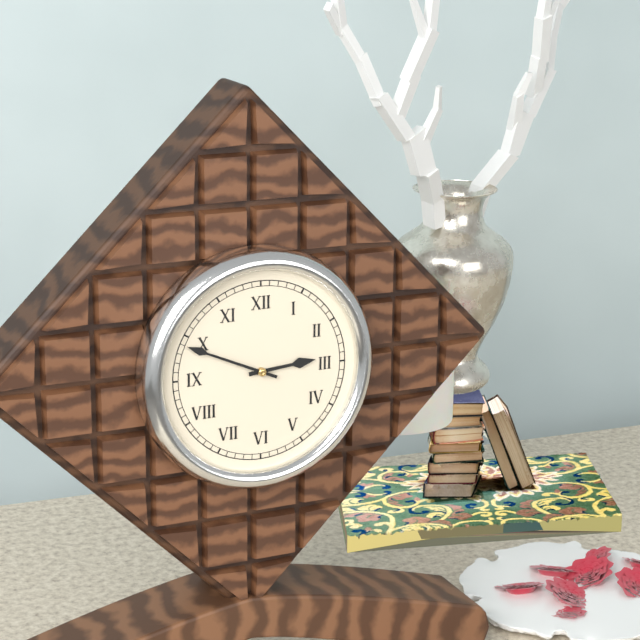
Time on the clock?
2:49
